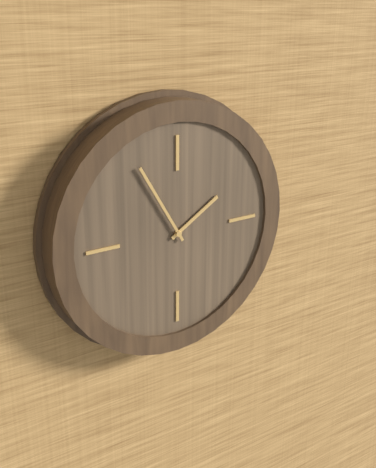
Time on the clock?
1:55
